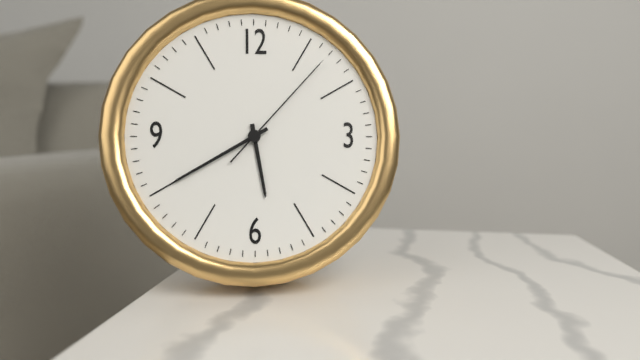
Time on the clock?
5:40:07
